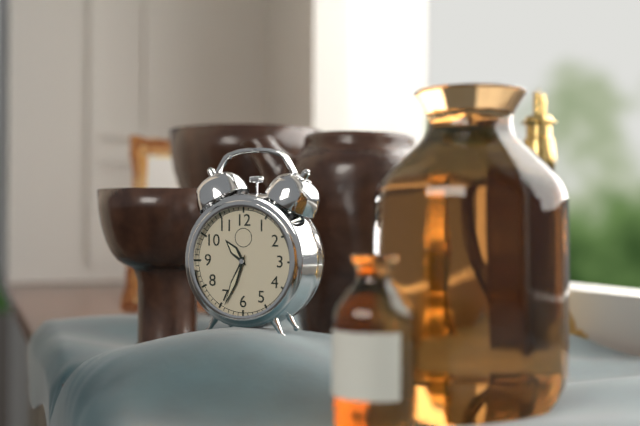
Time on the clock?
10:34
